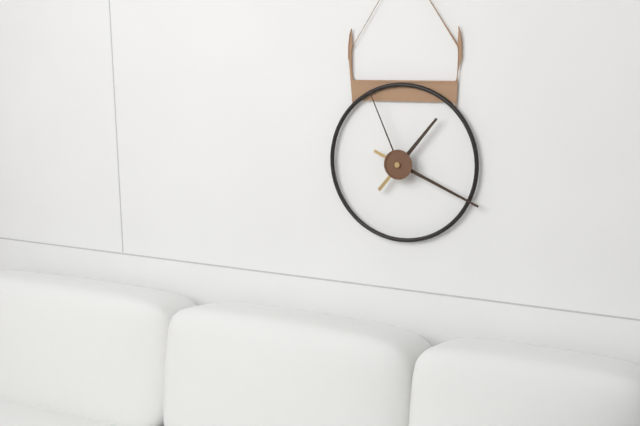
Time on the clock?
1:19:56
